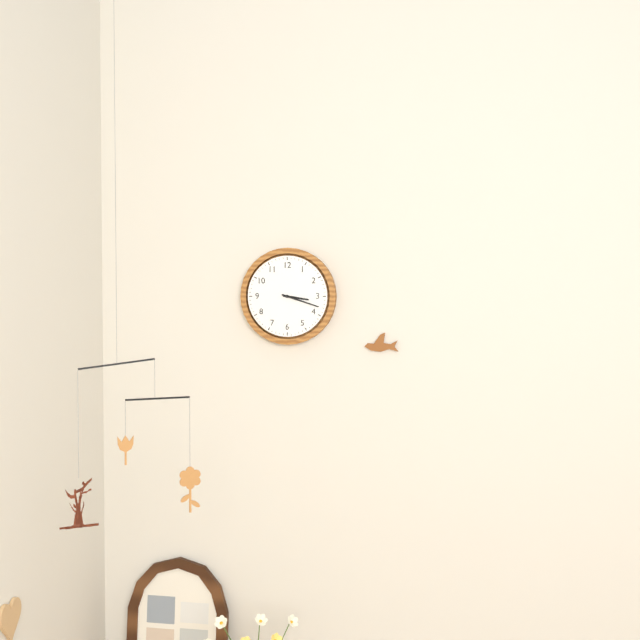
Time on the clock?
3:18
